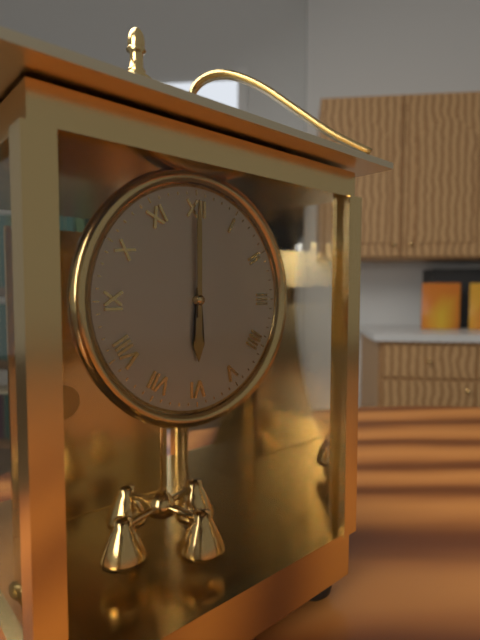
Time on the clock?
6:00
